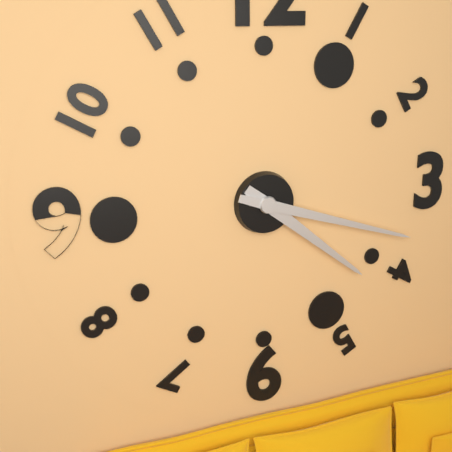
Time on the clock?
4:18
